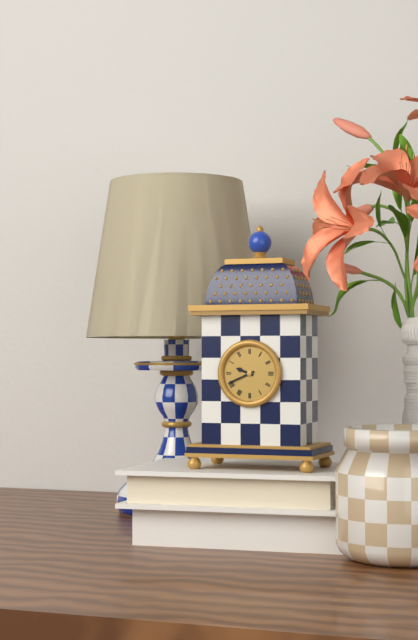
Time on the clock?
9:41
